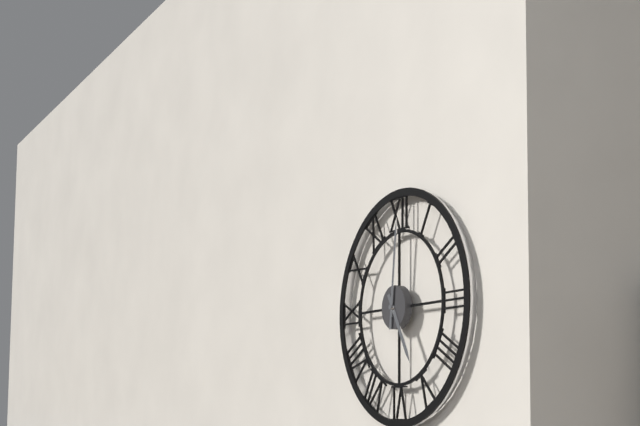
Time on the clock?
5:01
